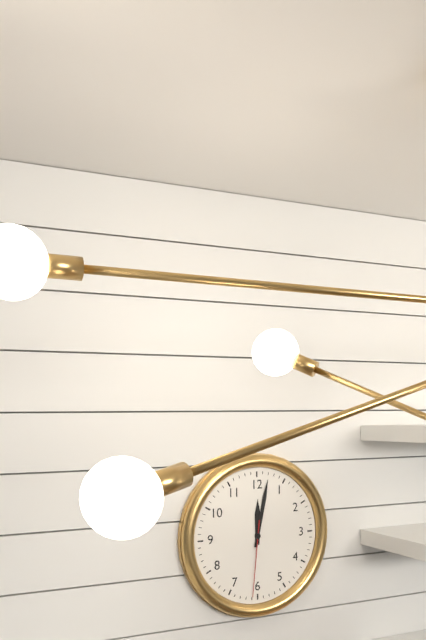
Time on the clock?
12:02:31
